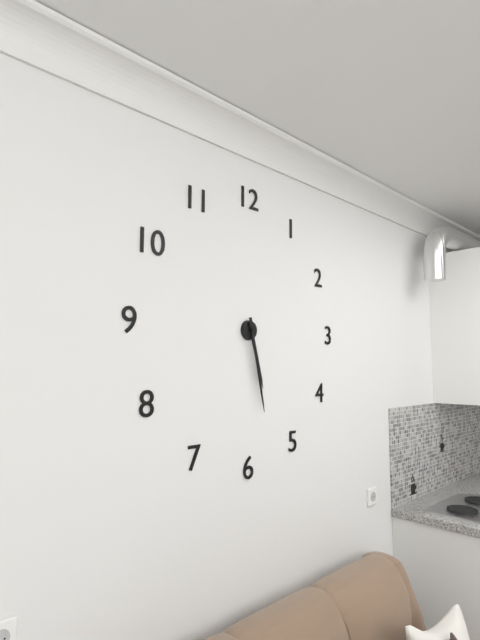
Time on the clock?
5:28
